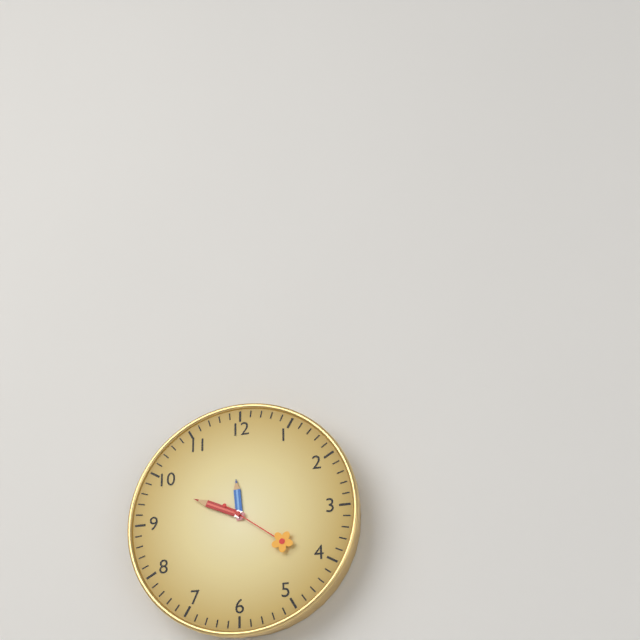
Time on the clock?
11:49:21
